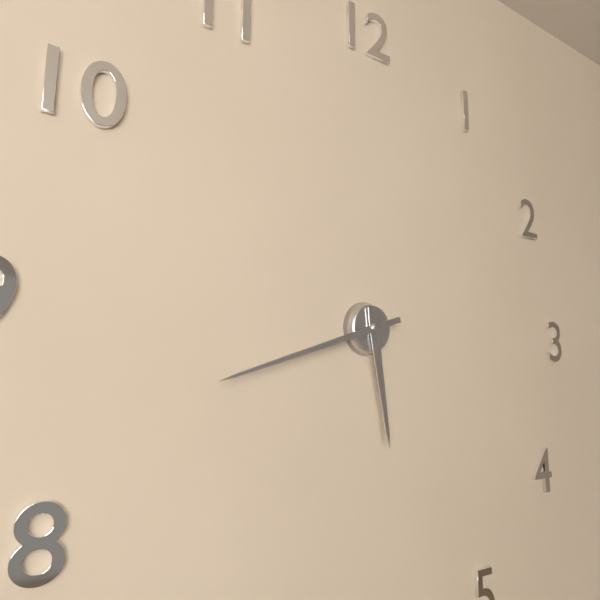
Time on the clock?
5:42
